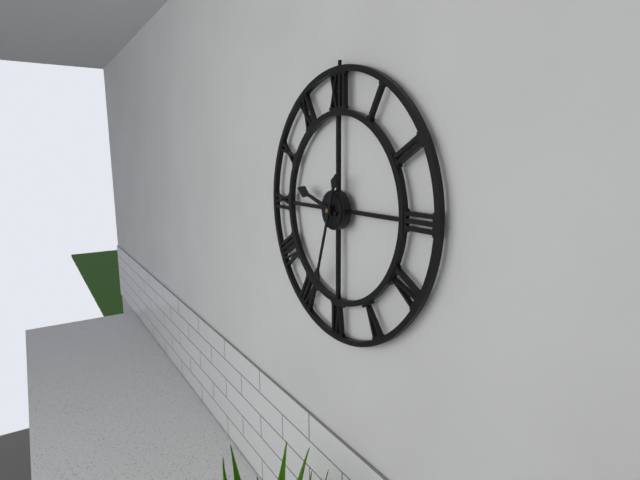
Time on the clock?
9:33
